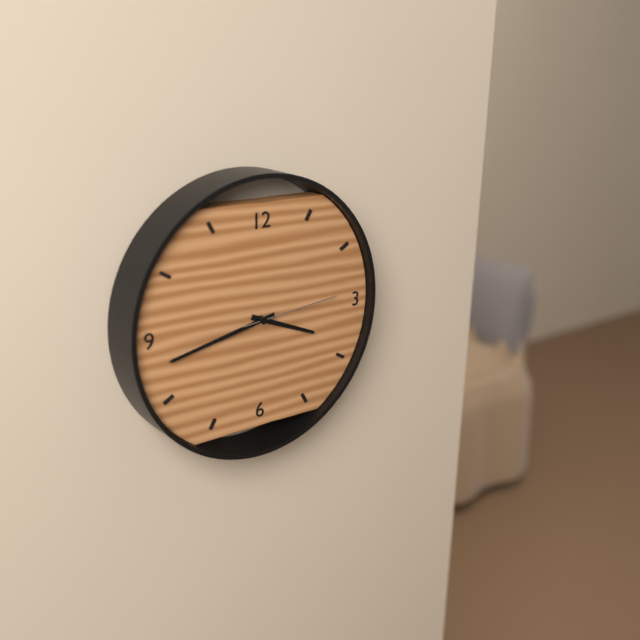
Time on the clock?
3:43:14
